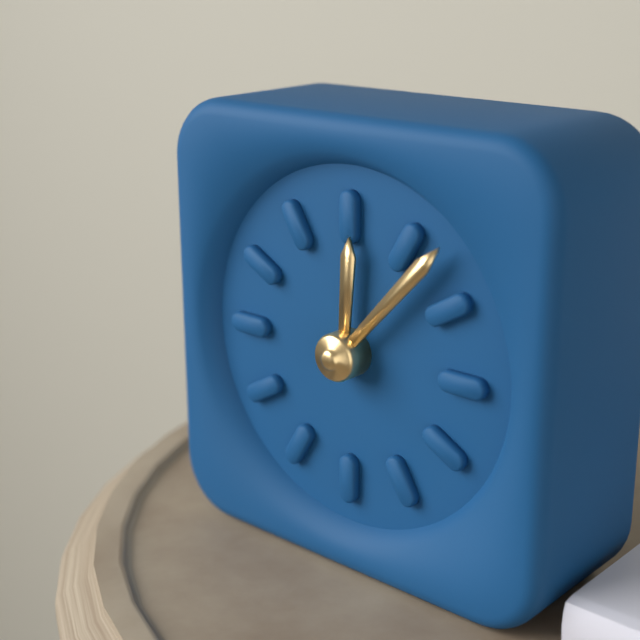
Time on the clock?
12:07
